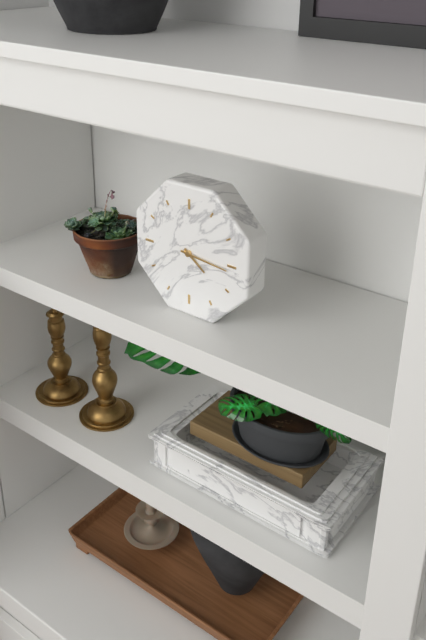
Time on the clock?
4:16
